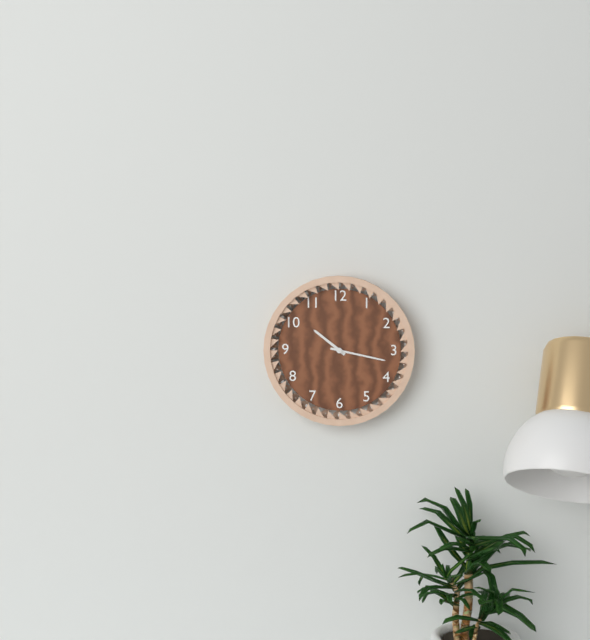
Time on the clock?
10:17
